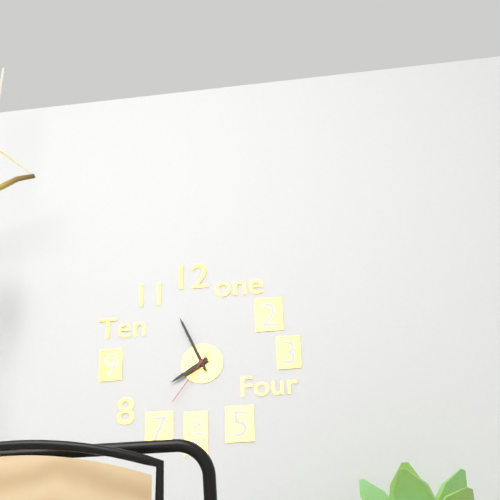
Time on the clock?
7:56:36
